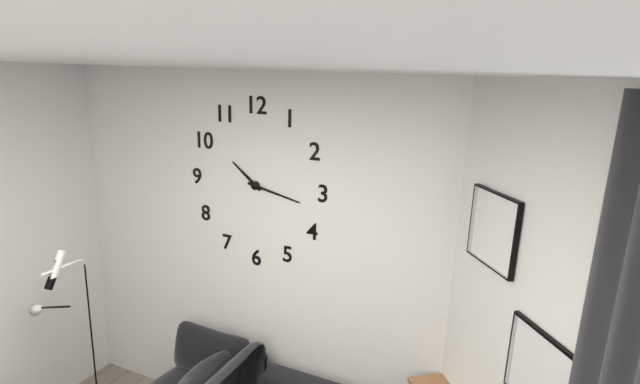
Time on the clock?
10:17
